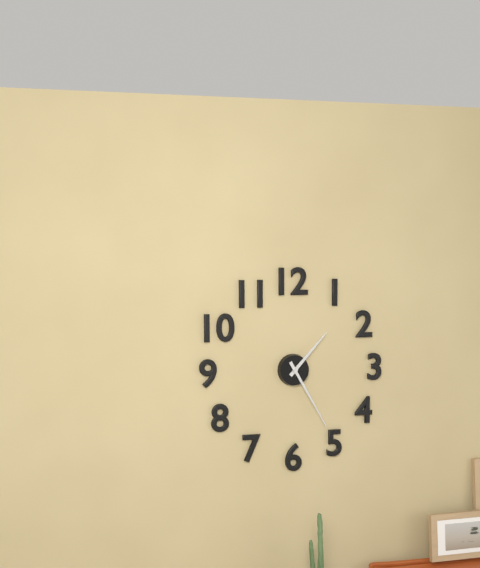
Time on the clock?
1:25
